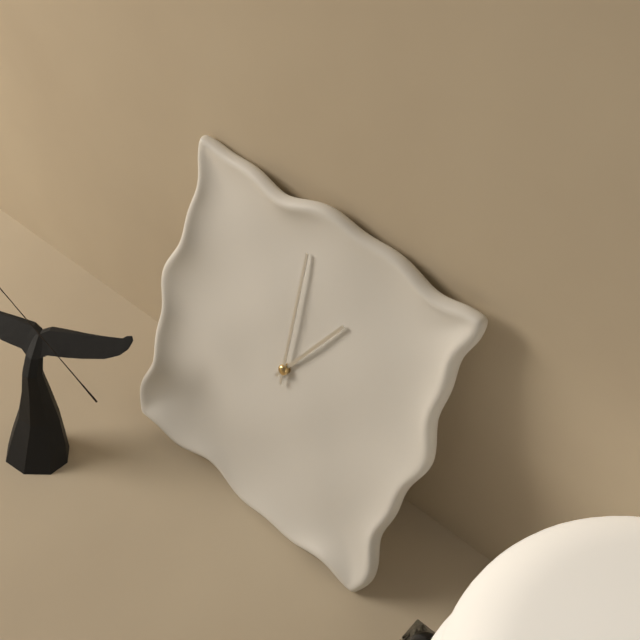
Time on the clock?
12:59
